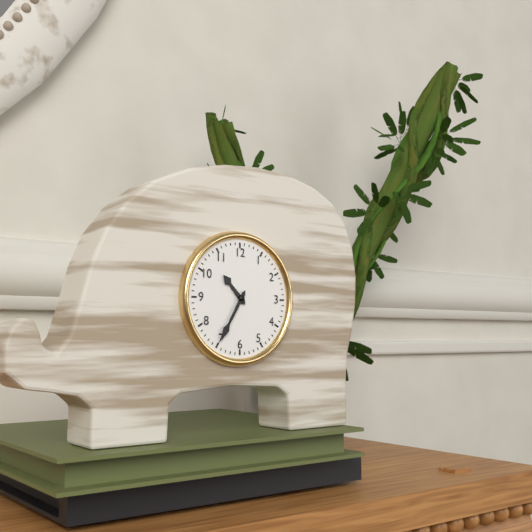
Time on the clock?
10:35
